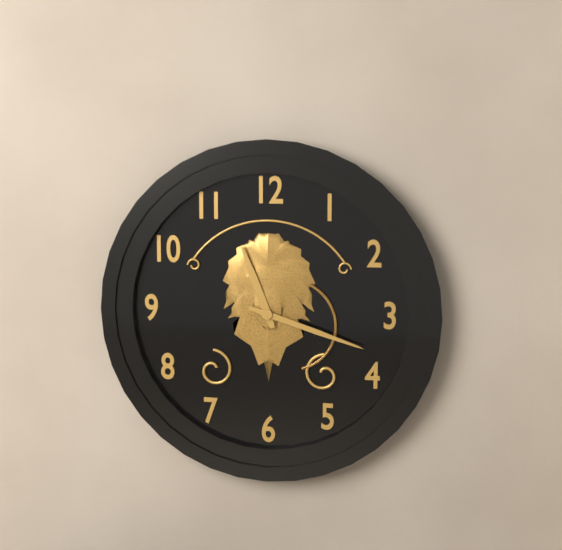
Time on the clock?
11:18
